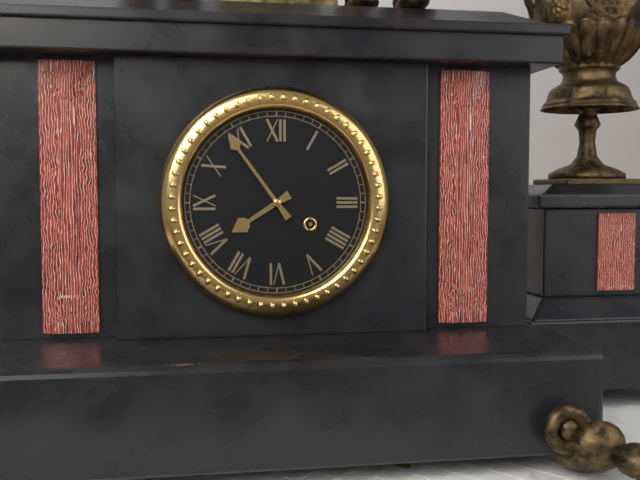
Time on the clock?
7:54
